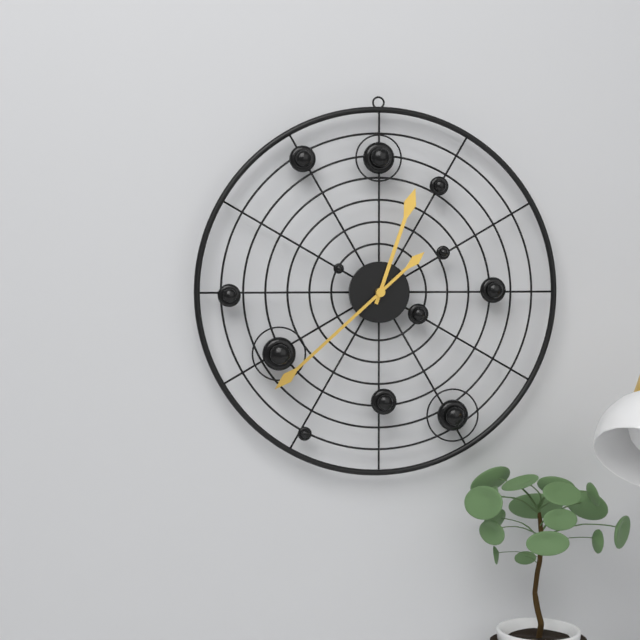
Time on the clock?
12:38
